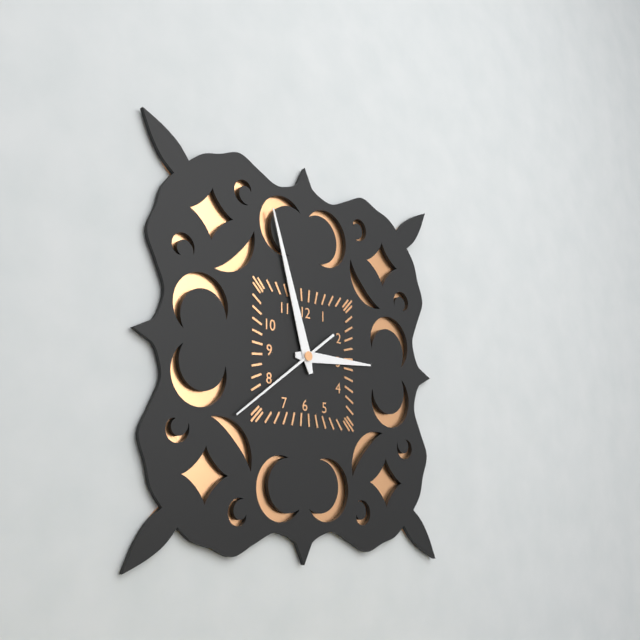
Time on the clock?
2:57:39
